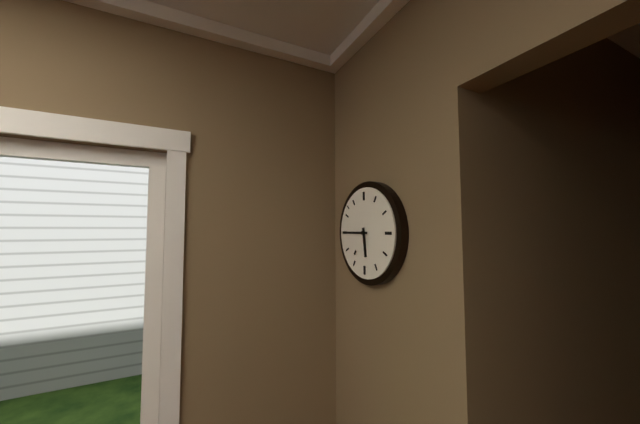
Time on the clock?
5:45
